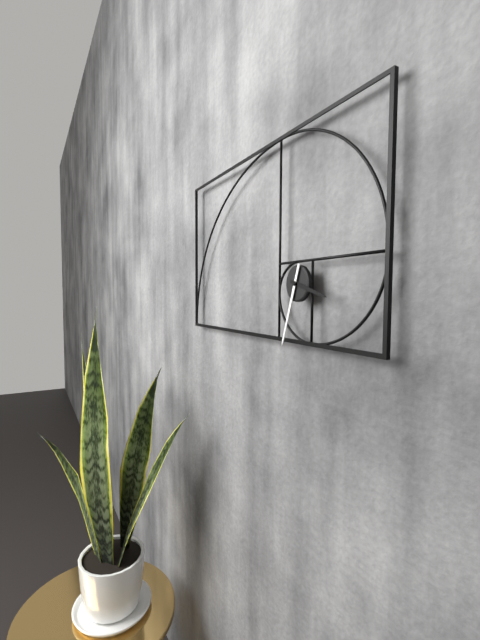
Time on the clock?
3:33
